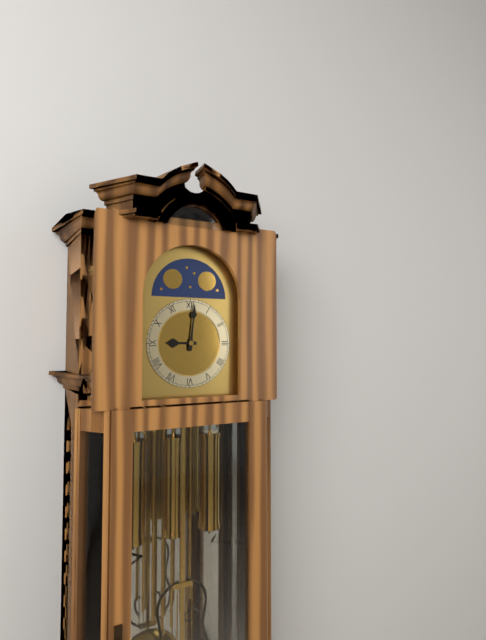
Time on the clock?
9:01
